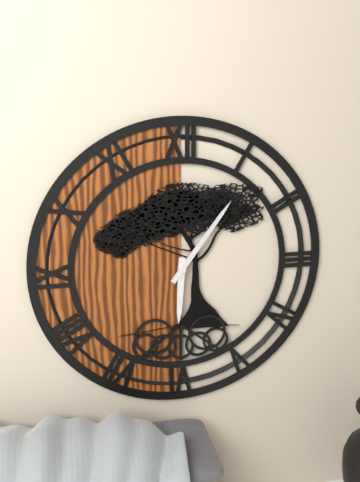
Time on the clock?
6:06
